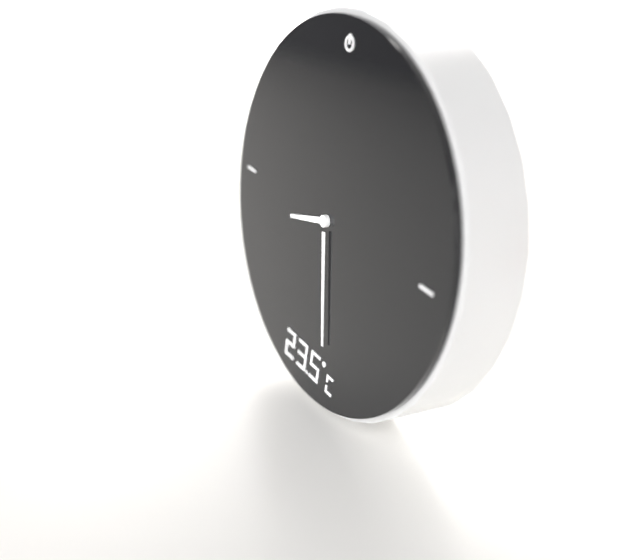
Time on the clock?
8:28
